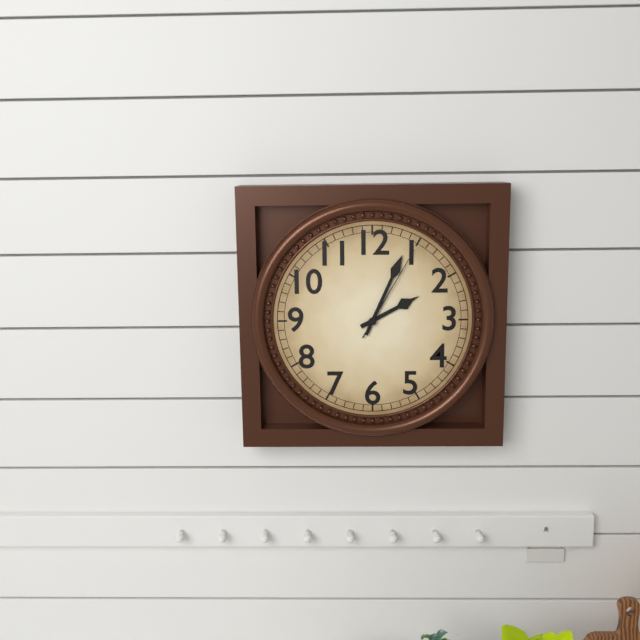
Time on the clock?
2:04:05
